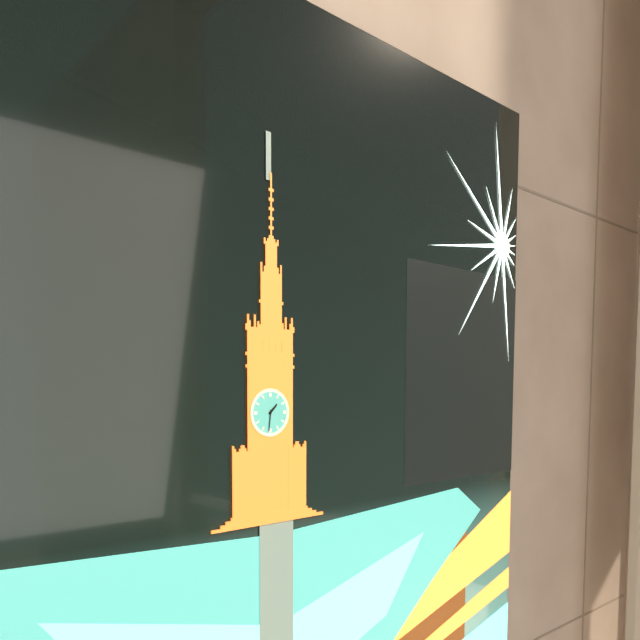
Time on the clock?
1:31
